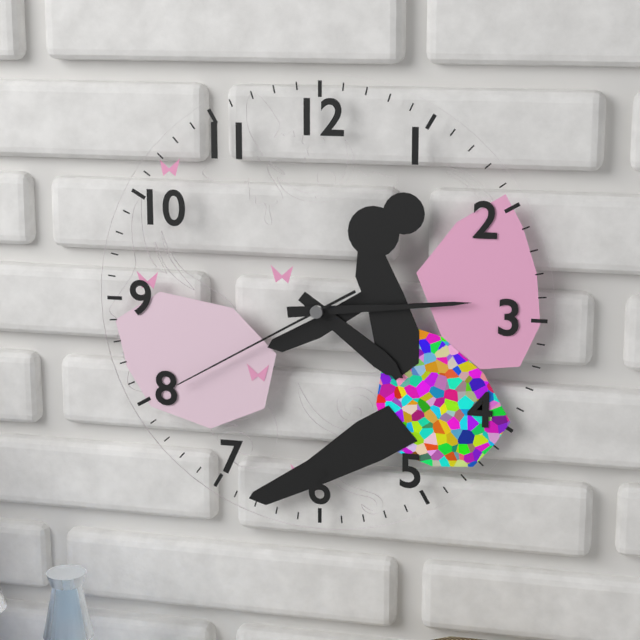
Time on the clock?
4:14:40
